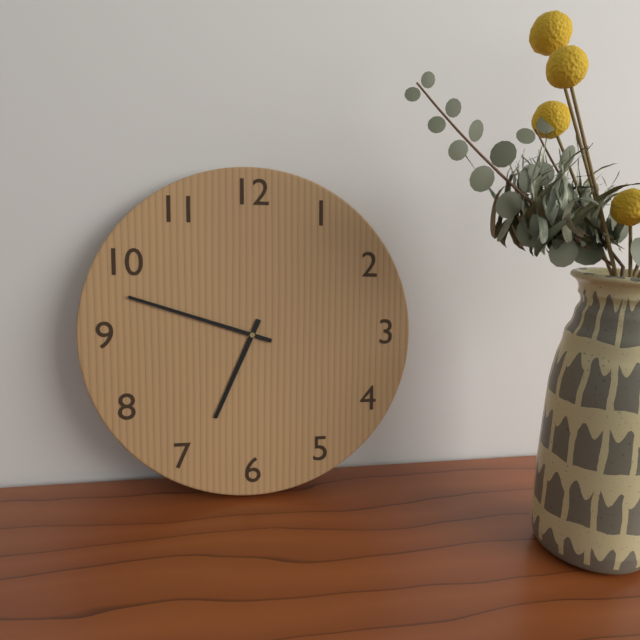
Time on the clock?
6:48
